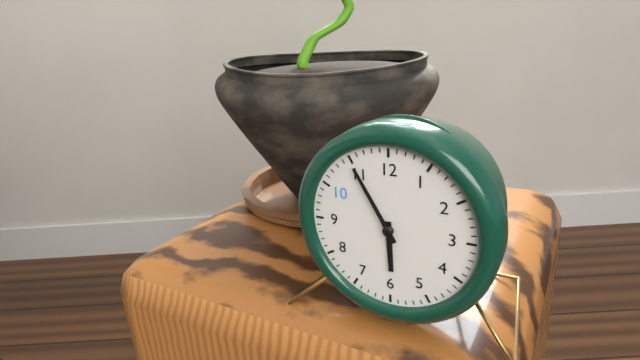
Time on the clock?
5:55
